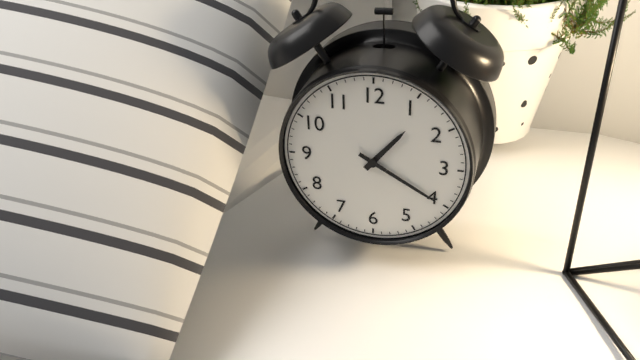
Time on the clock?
1:20
